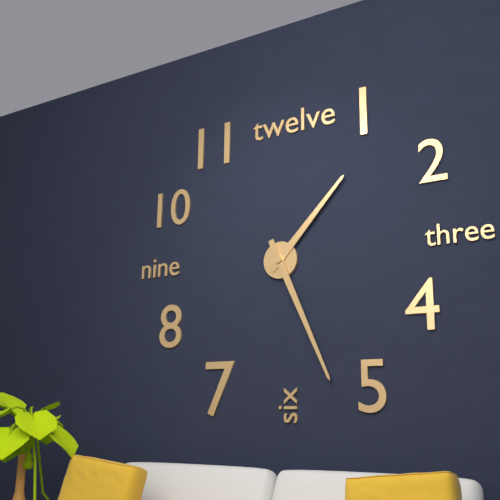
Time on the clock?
1:26
